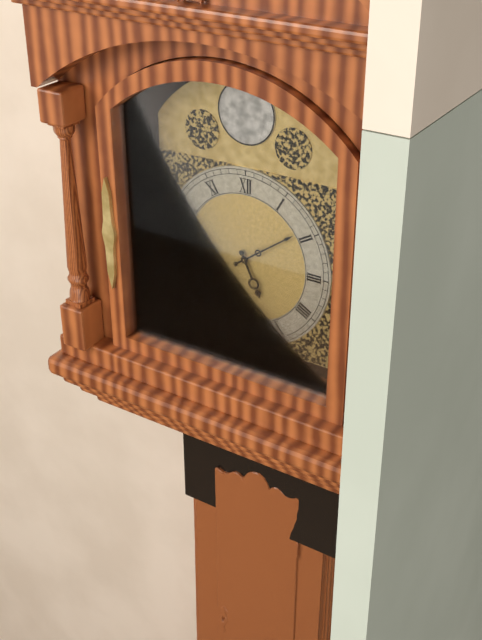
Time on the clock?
5:09
